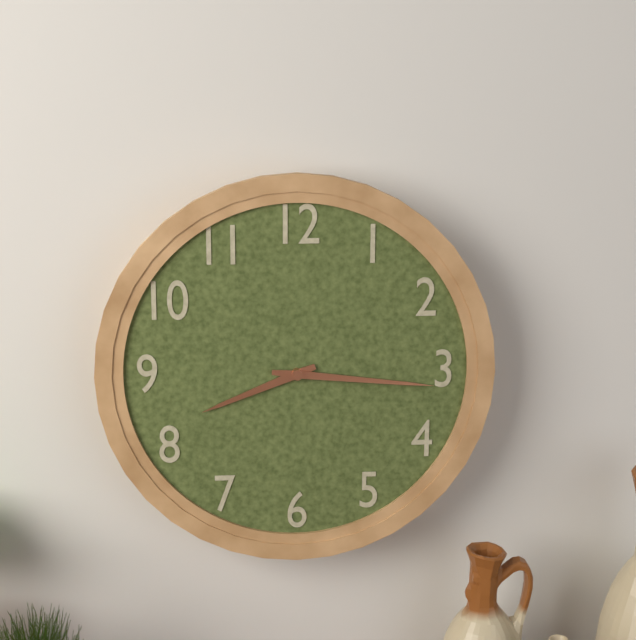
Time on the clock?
8:16
